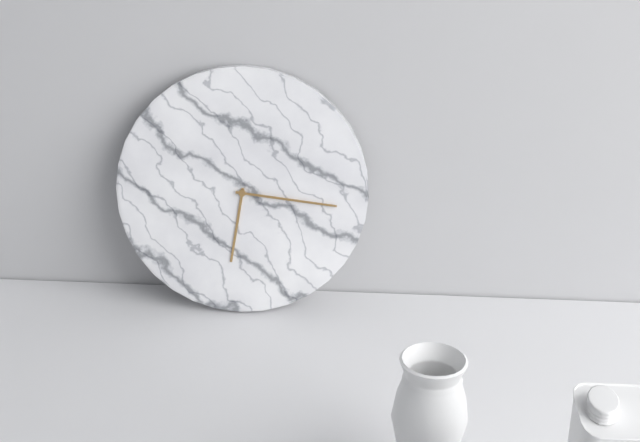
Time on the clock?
6:16
